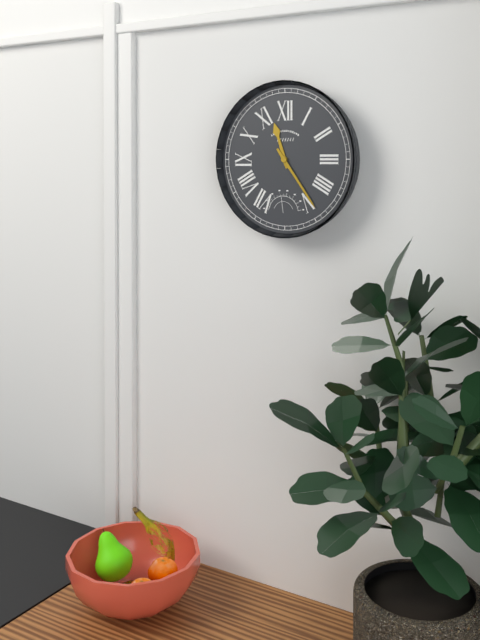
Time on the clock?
11:24
